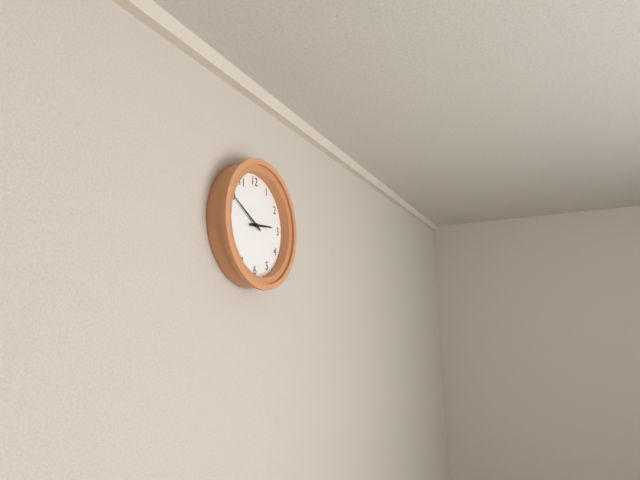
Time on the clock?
2:50
